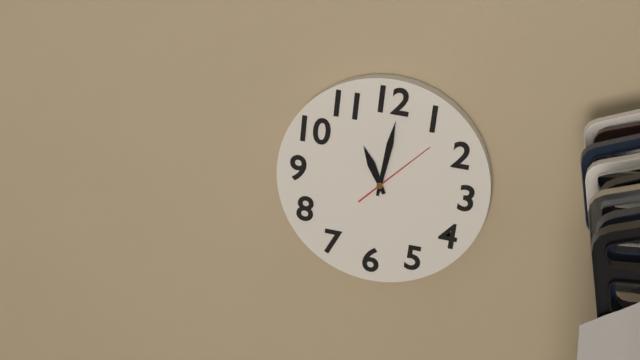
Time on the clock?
11:01:07
